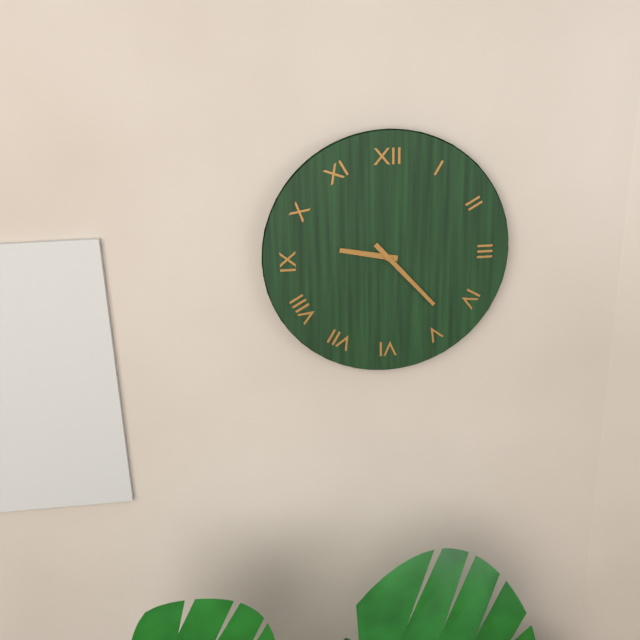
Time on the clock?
9:23
